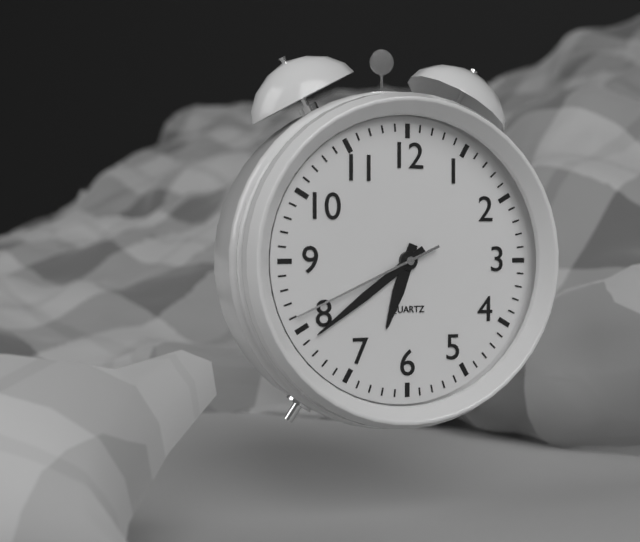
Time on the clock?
6:39:41
